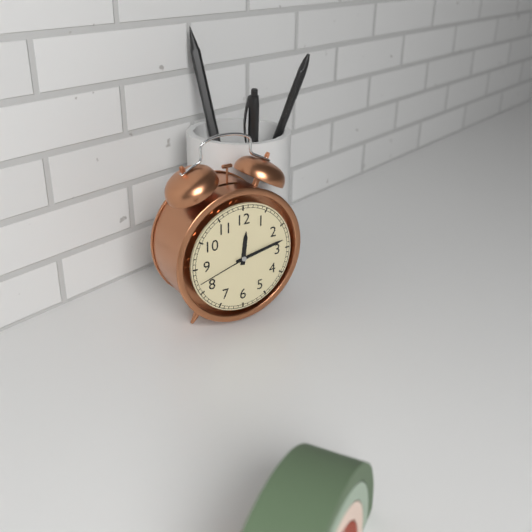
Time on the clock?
12:13:42
